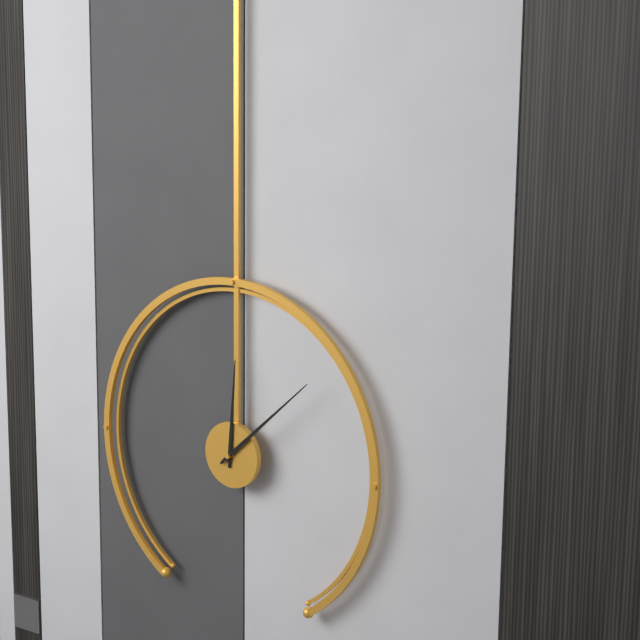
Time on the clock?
12:08
